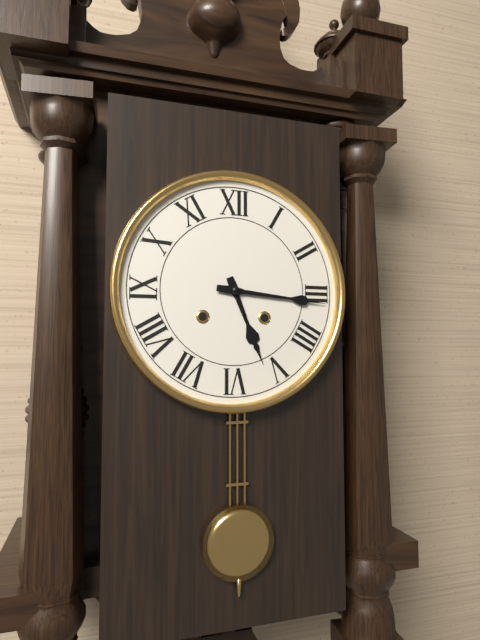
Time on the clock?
5:16
